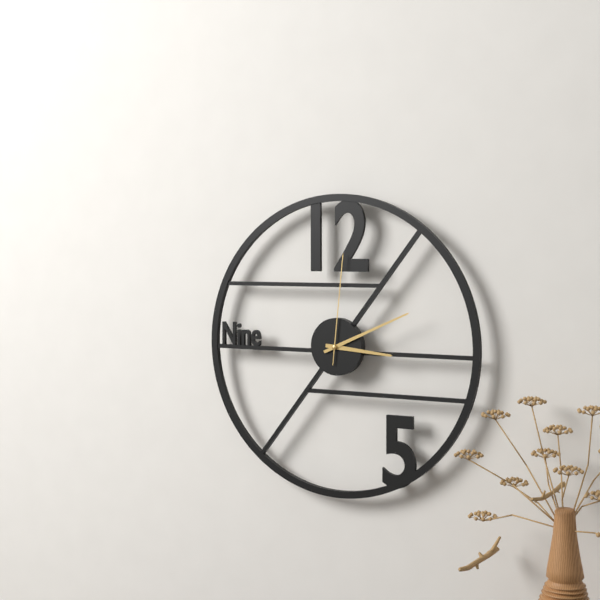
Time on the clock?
3:11:01
